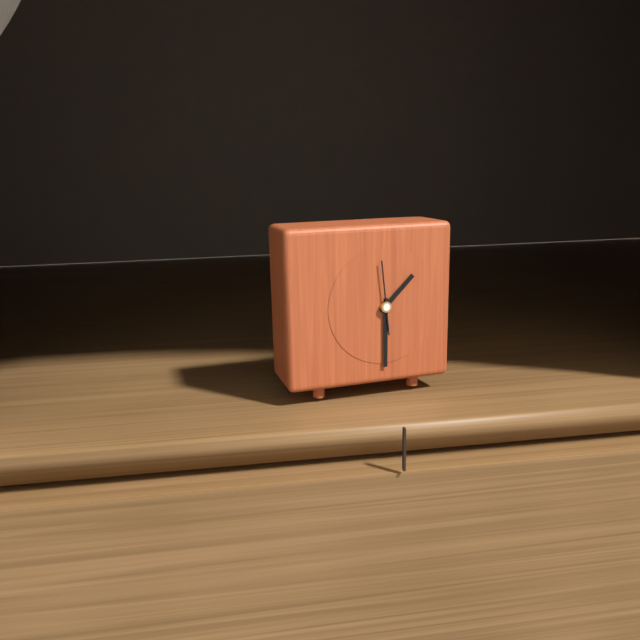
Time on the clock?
1:30:59
